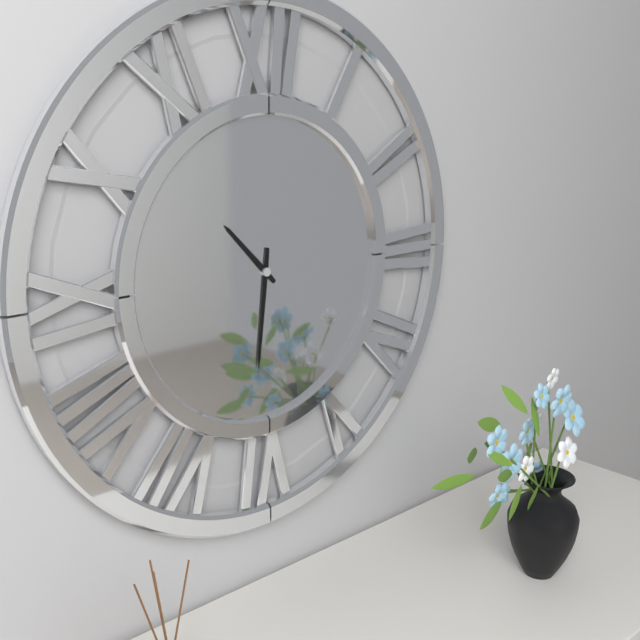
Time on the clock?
10:31
